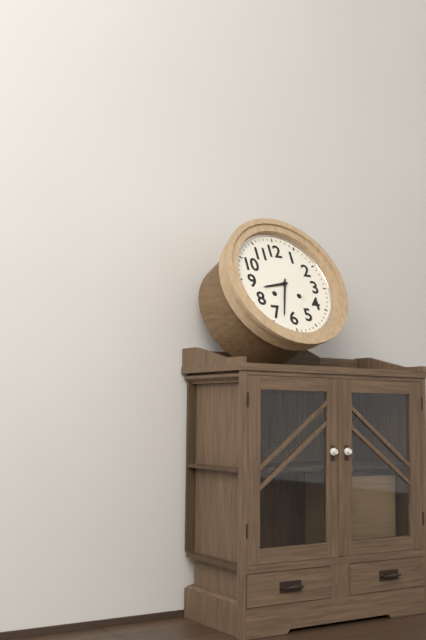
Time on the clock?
8:33
